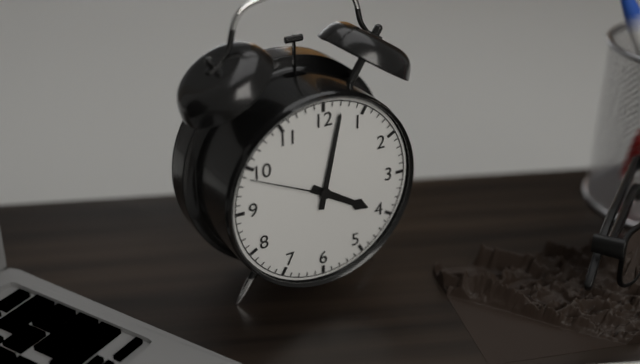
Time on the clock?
4:02:49
